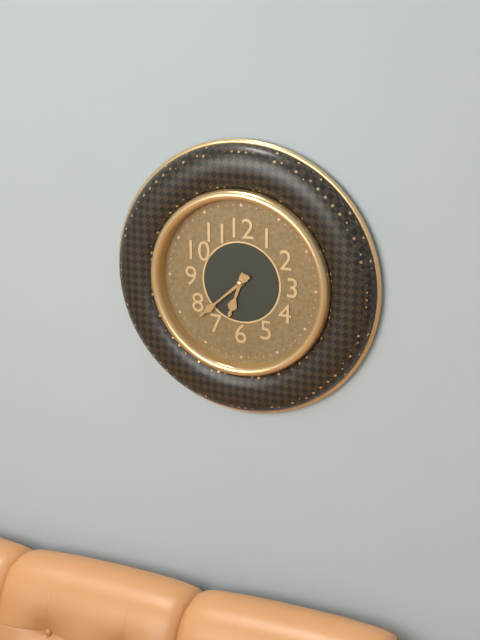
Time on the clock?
6:38
